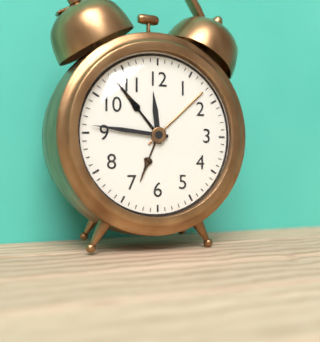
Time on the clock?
11:46
